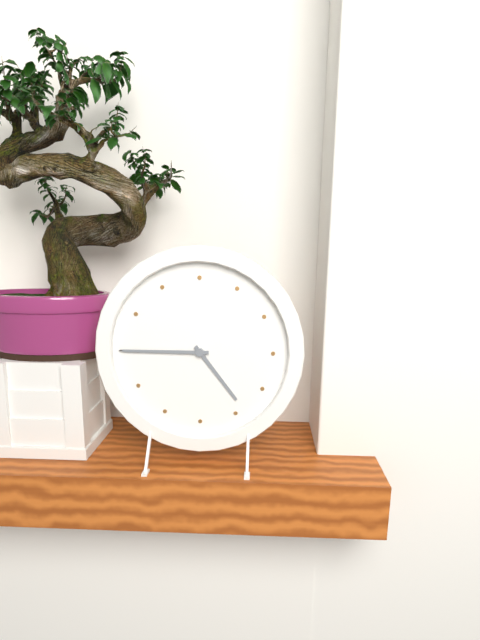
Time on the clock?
4:45
